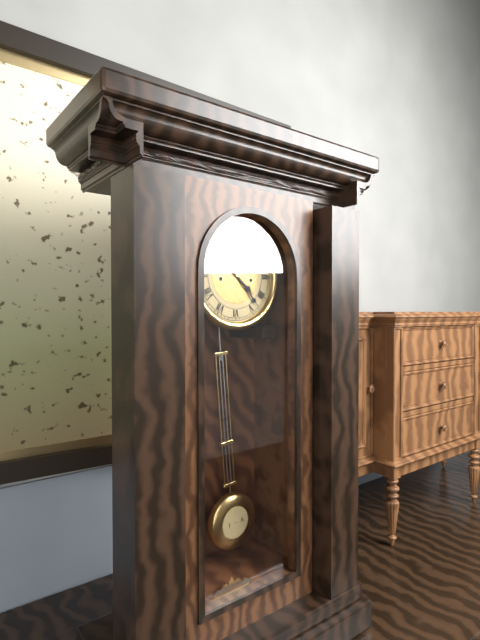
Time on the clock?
4:23
